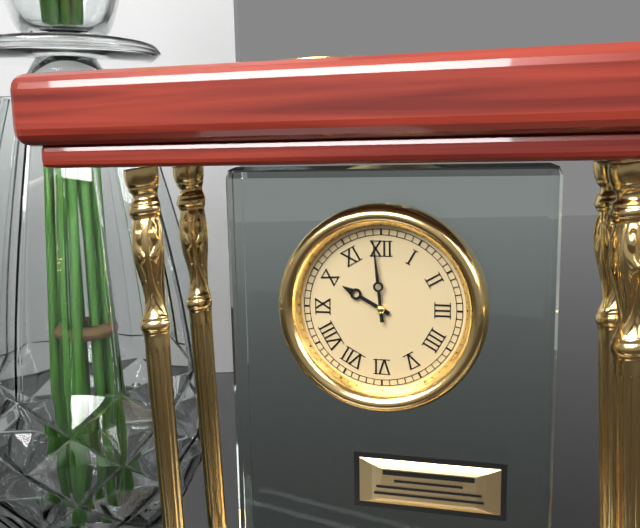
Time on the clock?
9:59
